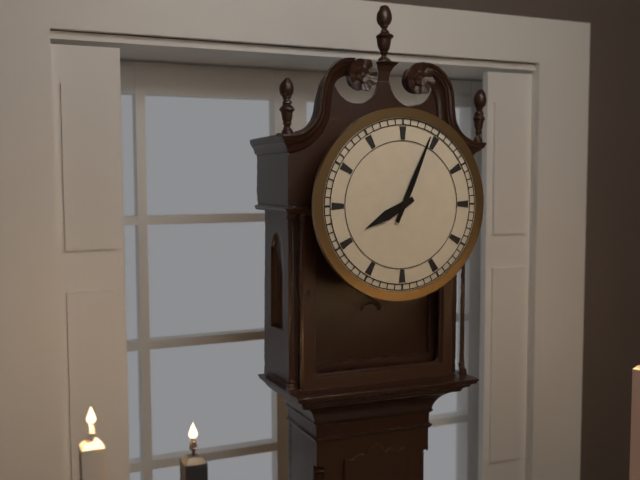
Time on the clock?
8:04
